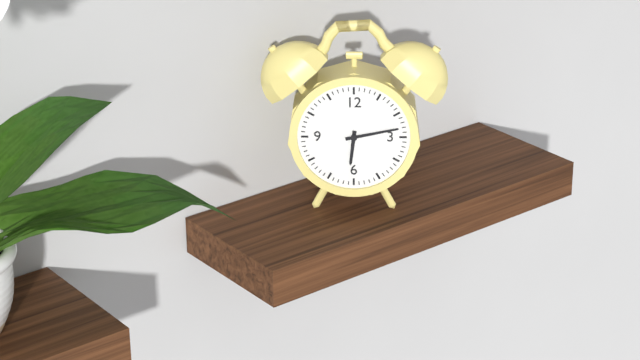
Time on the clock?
6:13
